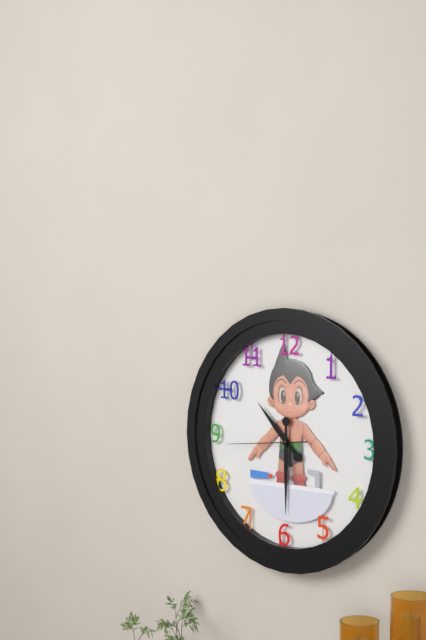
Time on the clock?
10:30:44
